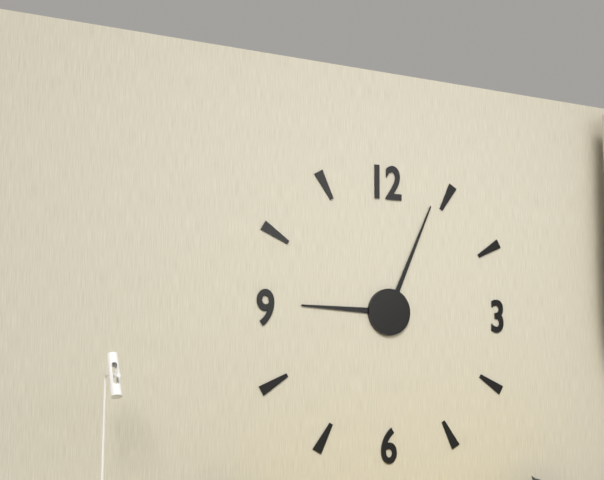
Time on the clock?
9:04
